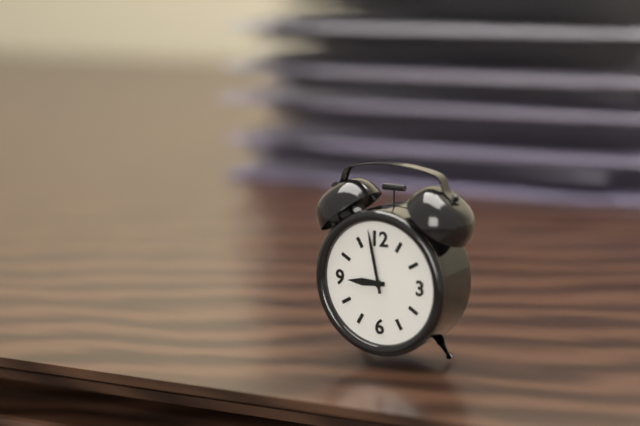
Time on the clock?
8:58
